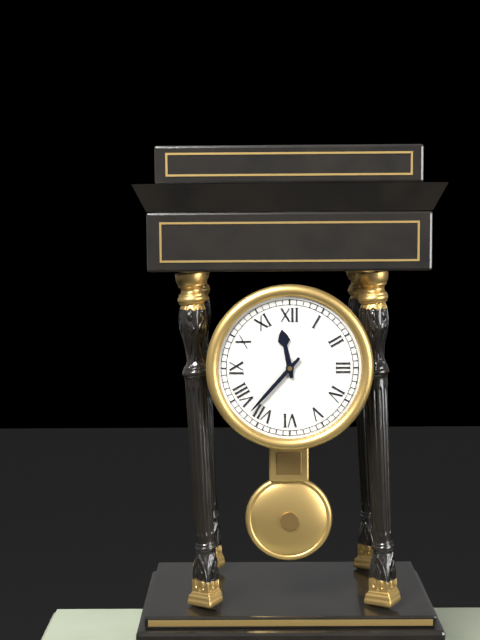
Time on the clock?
11:37
